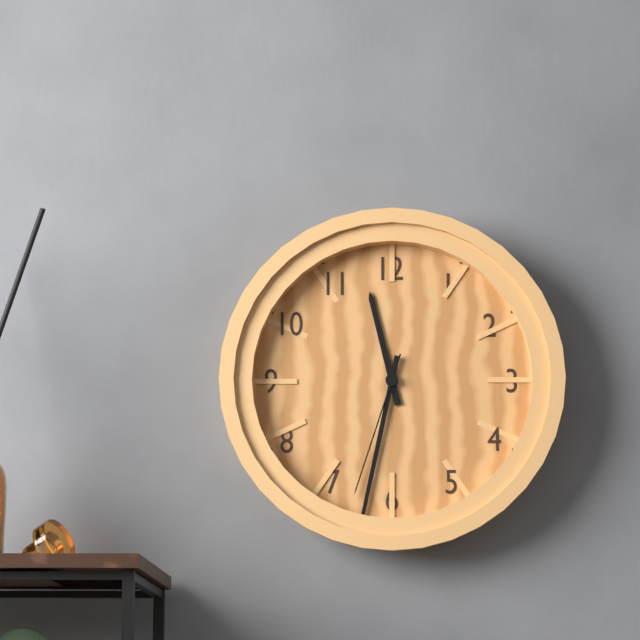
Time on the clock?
11:32:33
